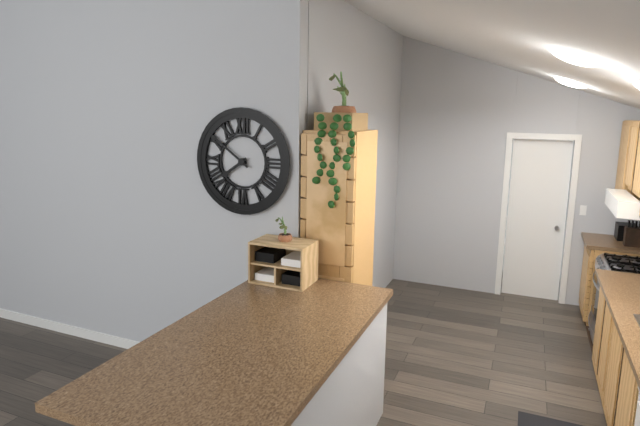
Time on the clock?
7:51
